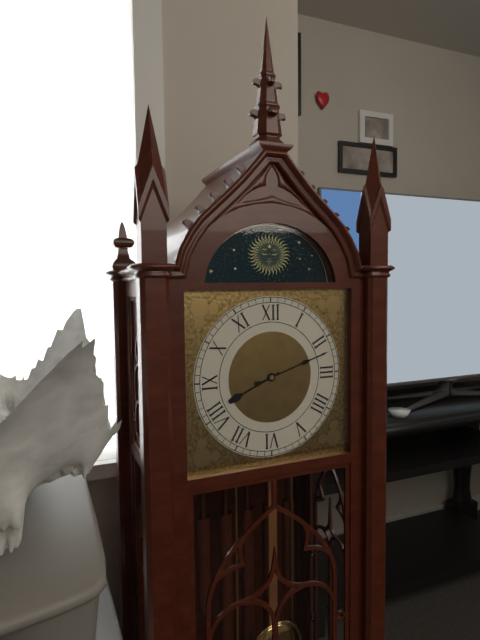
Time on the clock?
8:12
